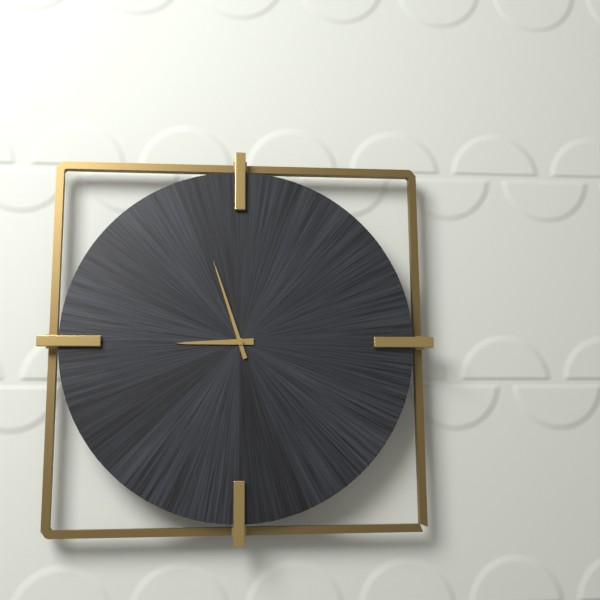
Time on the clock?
8:57
